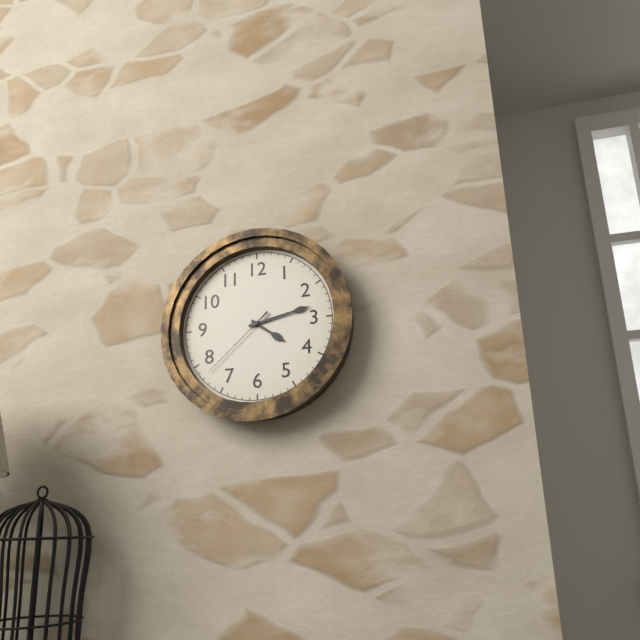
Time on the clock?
4:13:38
